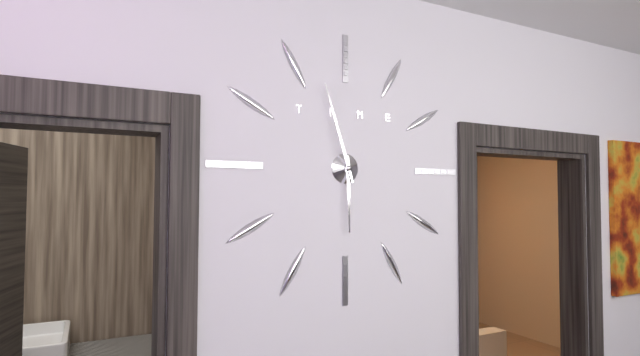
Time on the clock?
5:57
